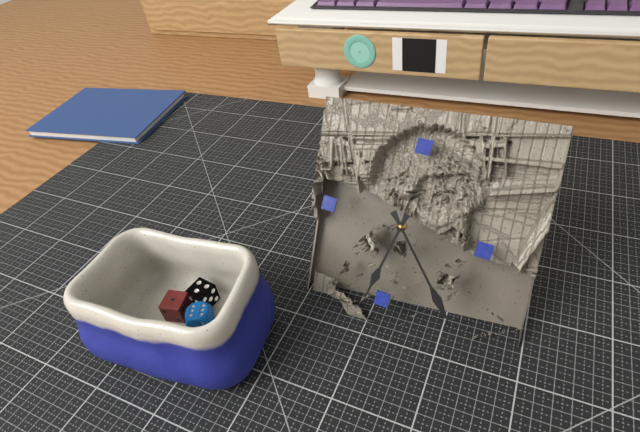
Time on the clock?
6:23
